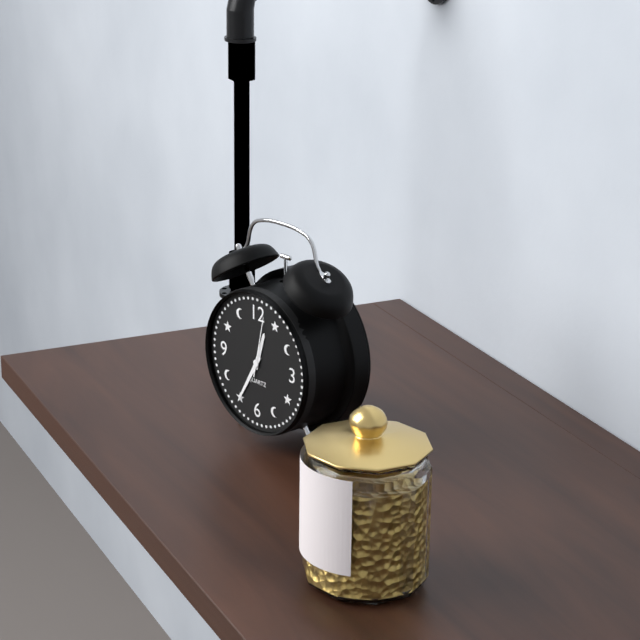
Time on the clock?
12:35:02
